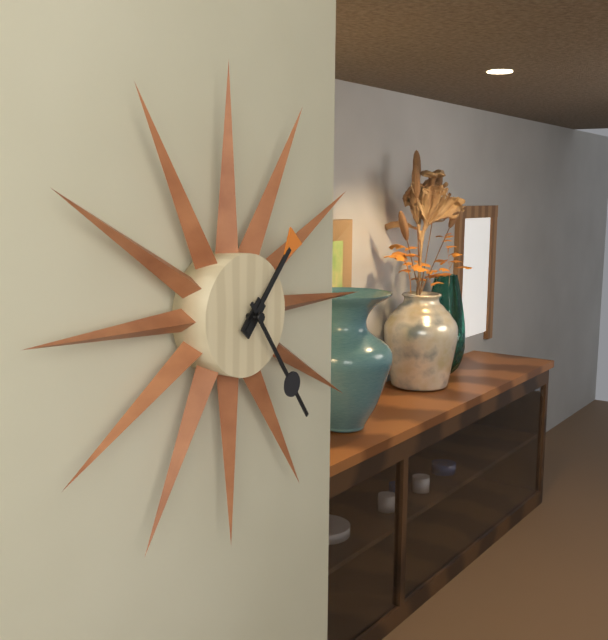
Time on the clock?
1:24
